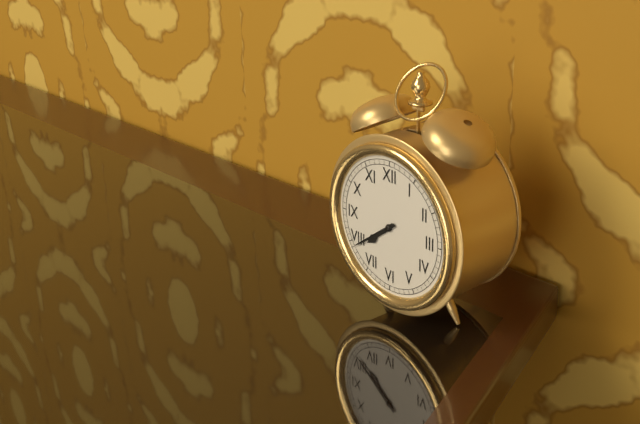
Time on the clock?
7:39
